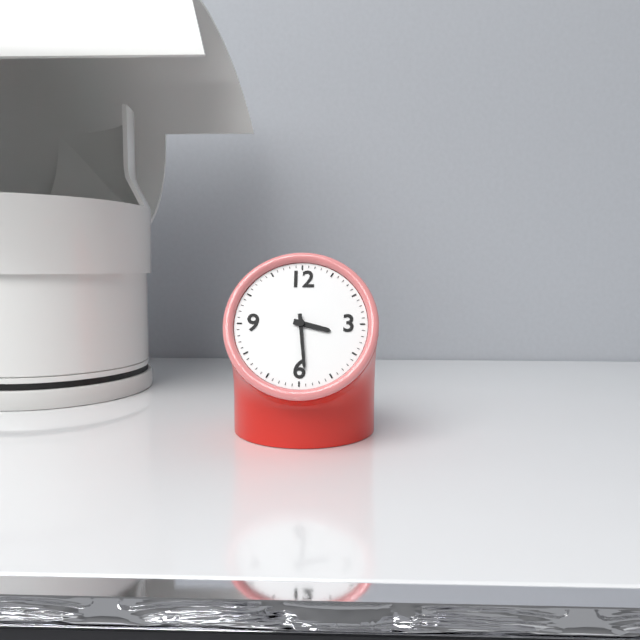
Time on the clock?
3:29
